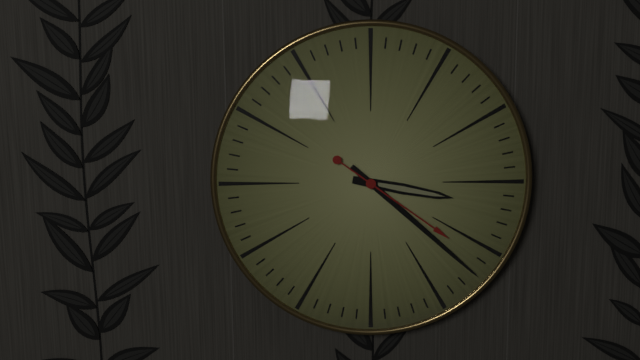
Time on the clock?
3:22:21
